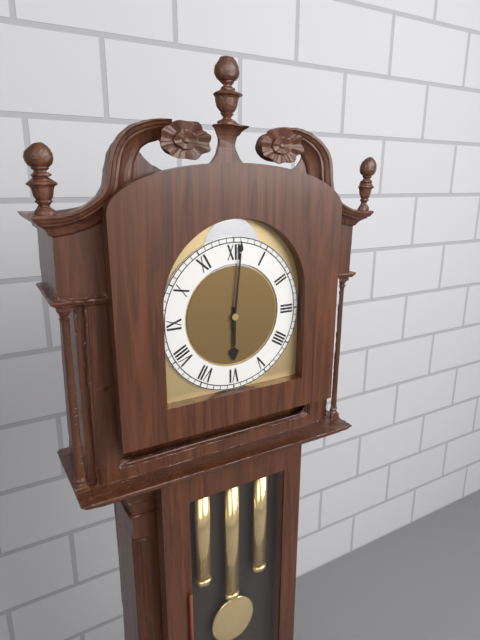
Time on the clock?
6:01
